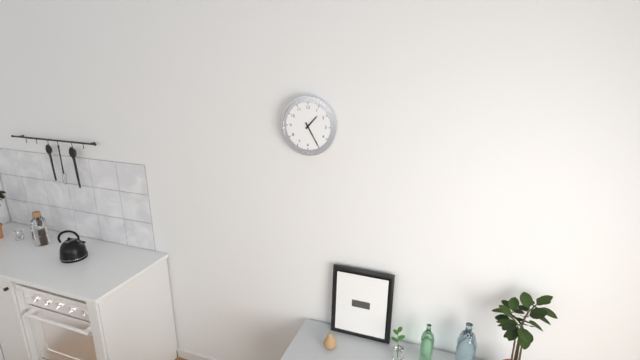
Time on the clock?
1:25
